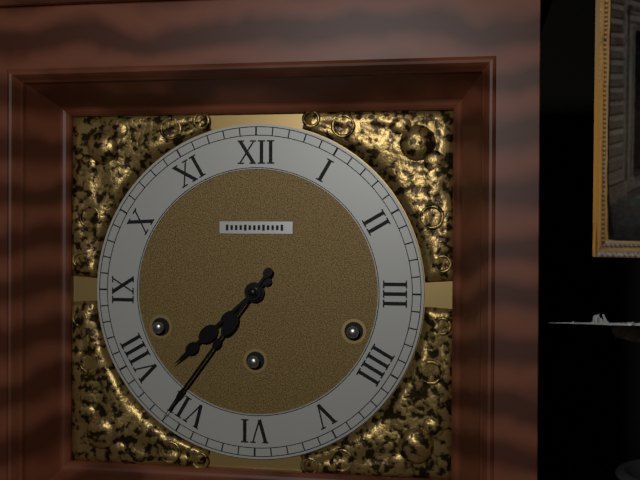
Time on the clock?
7:36
